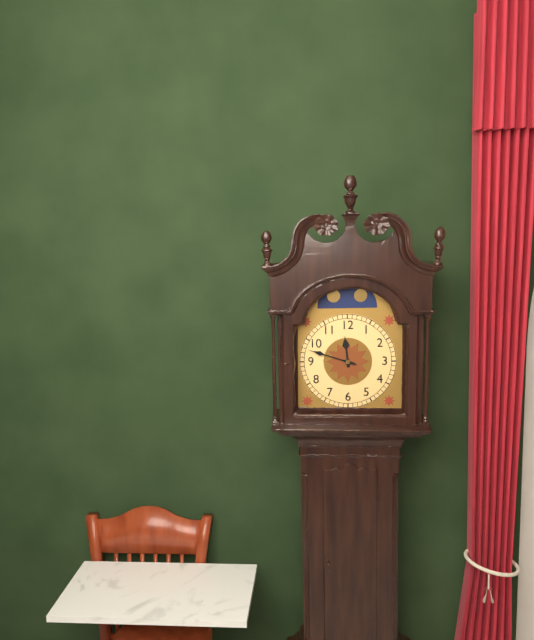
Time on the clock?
11:48
